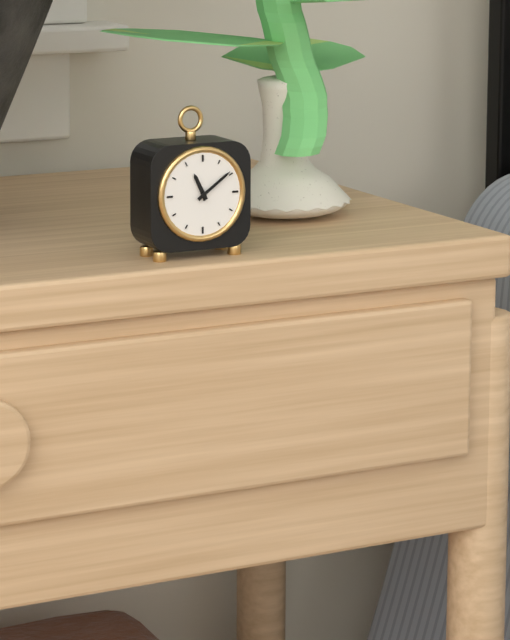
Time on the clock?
11:09
